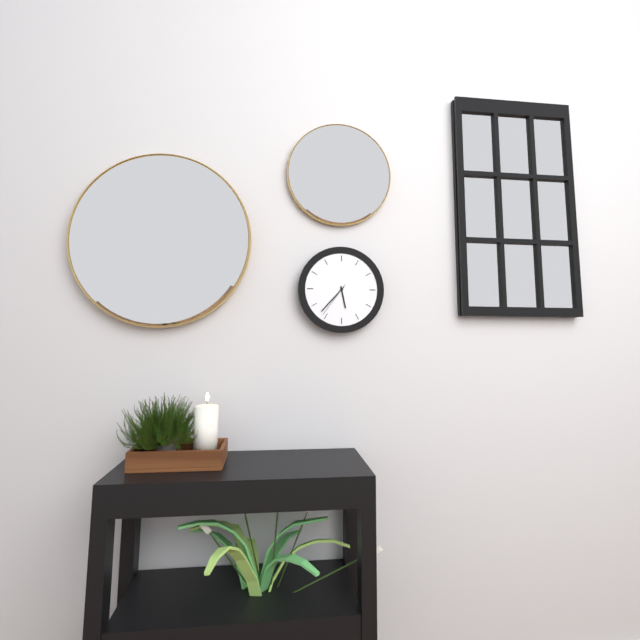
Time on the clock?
5:37
